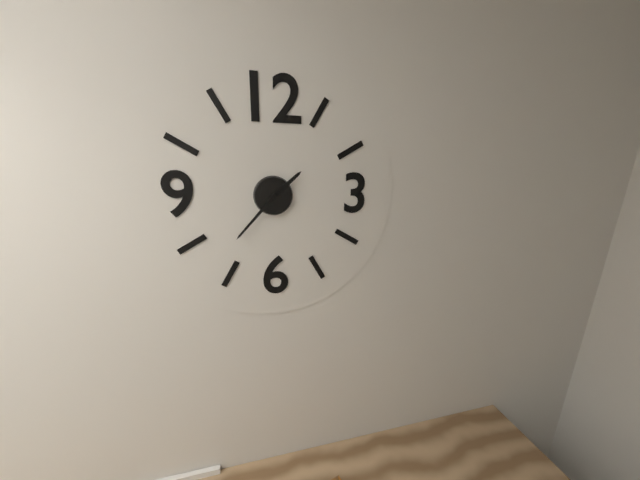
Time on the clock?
1:37
